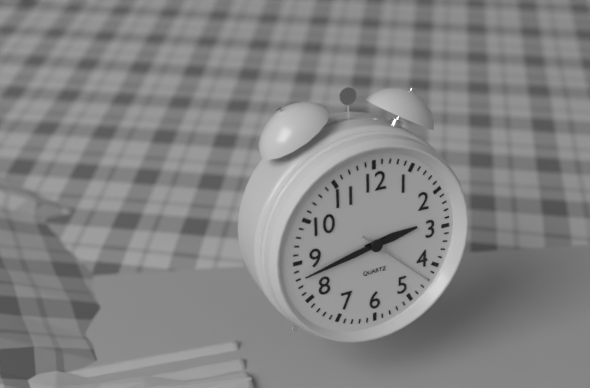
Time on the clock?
2:43:22
